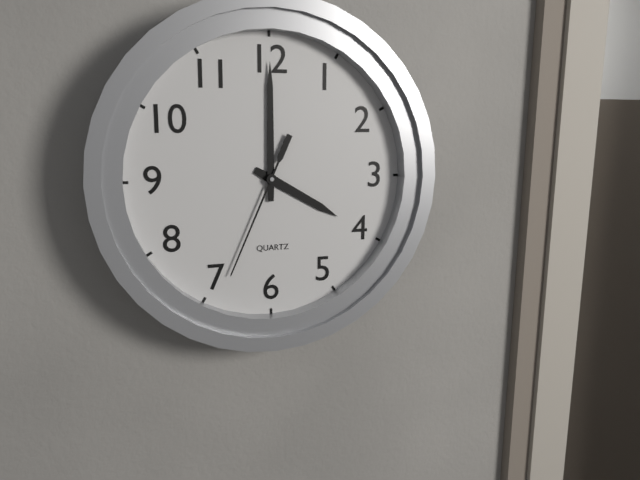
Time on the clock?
4:00:34
